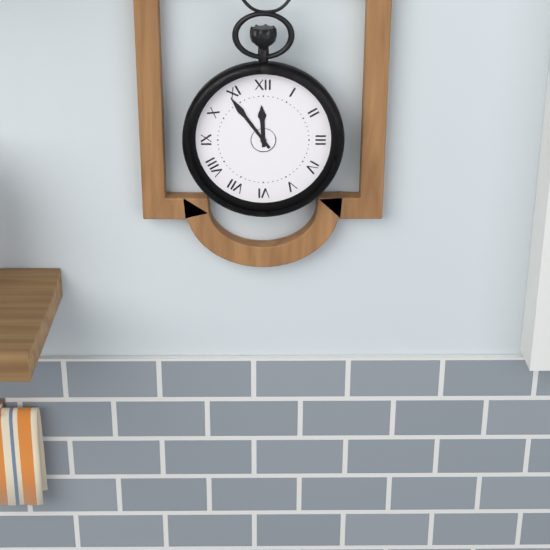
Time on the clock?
11:54
